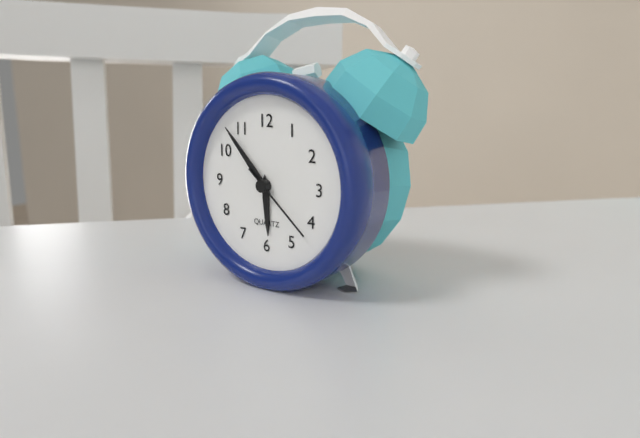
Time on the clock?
5:53:22
